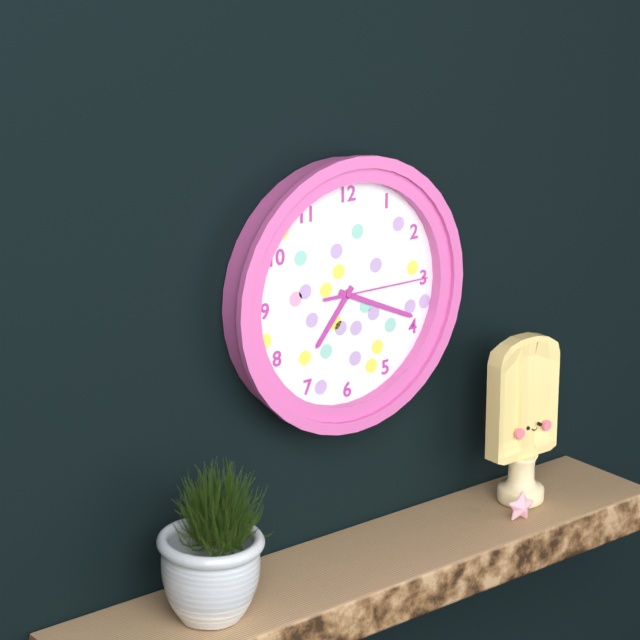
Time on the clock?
7:19:15
